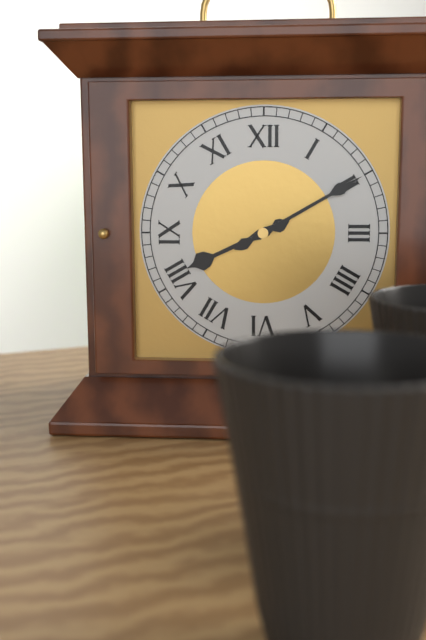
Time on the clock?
8:10
